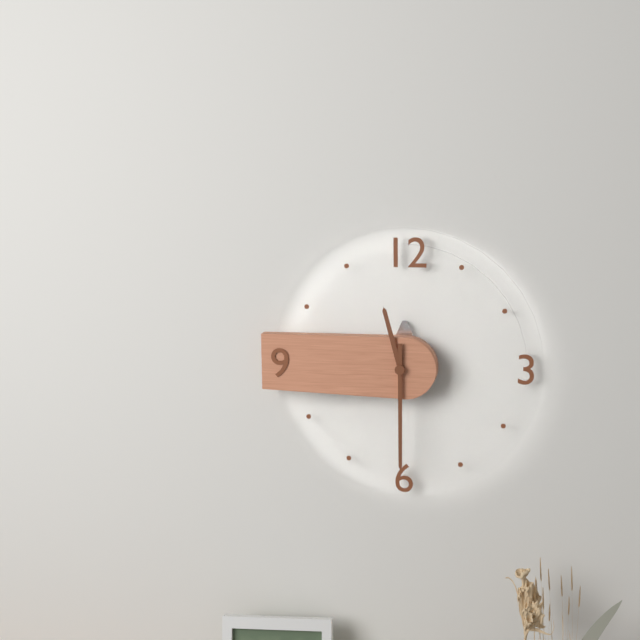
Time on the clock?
11:30
